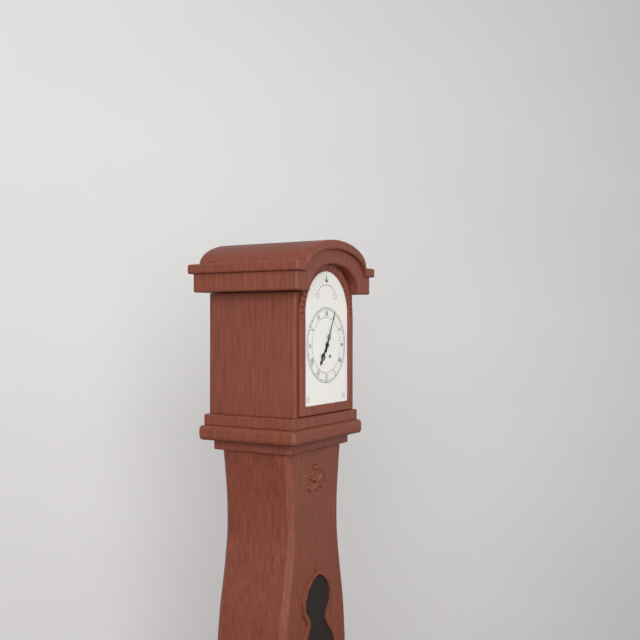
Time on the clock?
7:04
